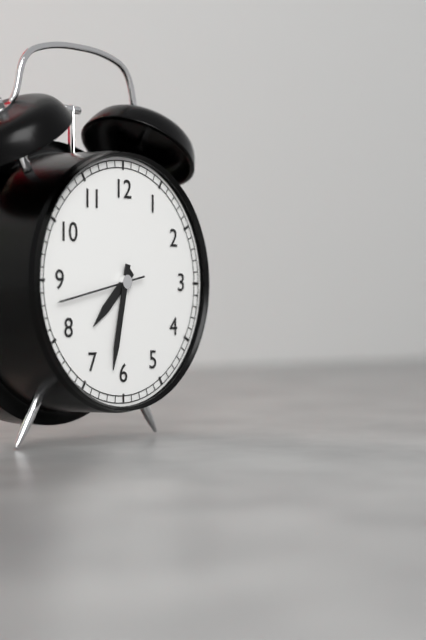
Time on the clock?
7:32:43
